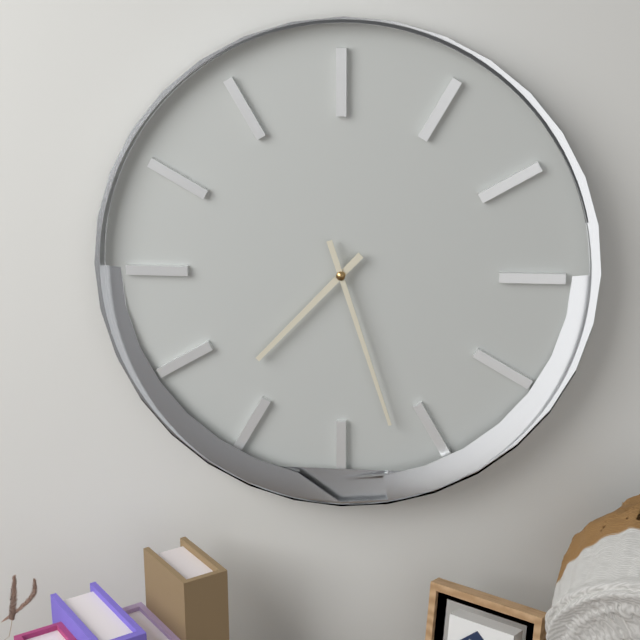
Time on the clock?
7:27
